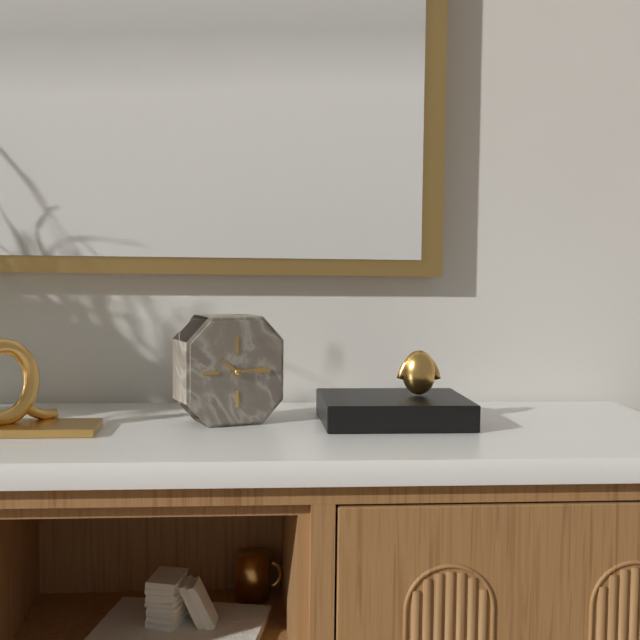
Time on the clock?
10:14
